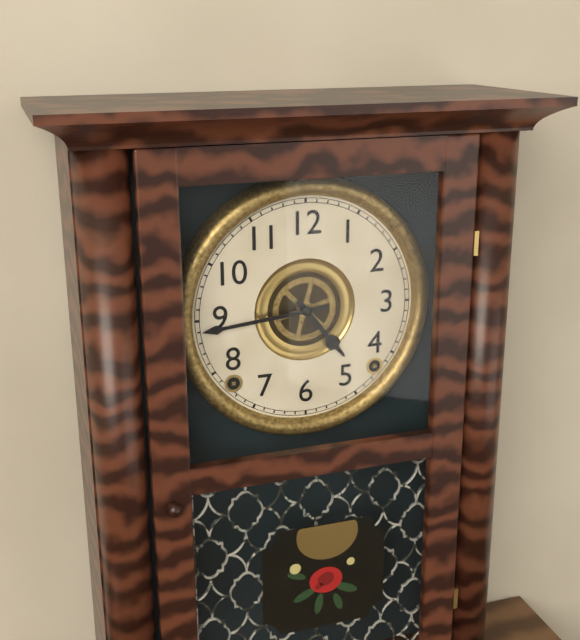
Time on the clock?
4:44
